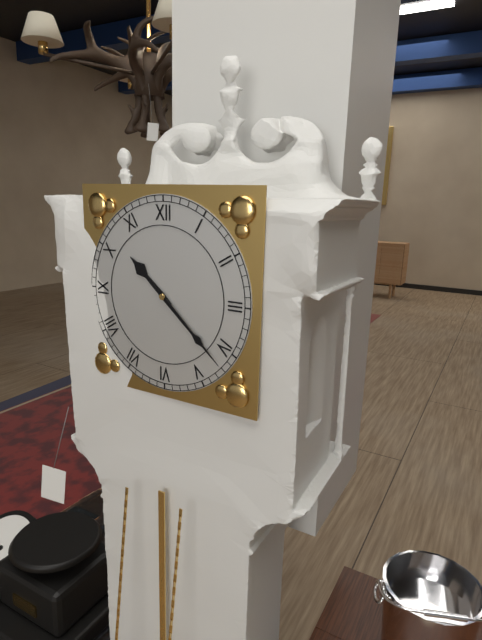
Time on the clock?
10:22
